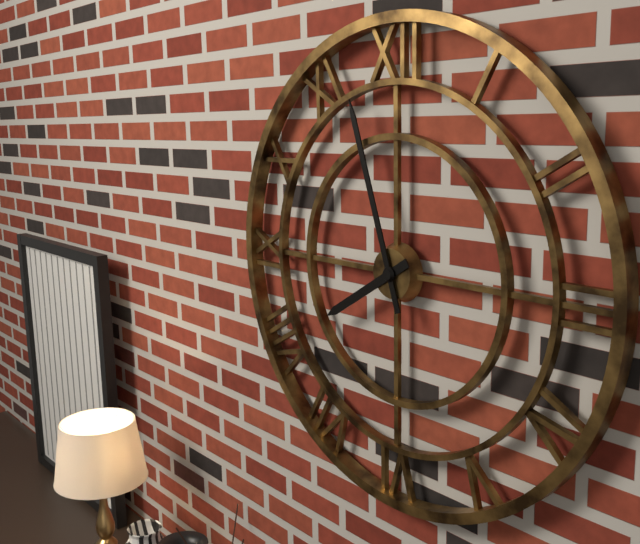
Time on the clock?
7:57
